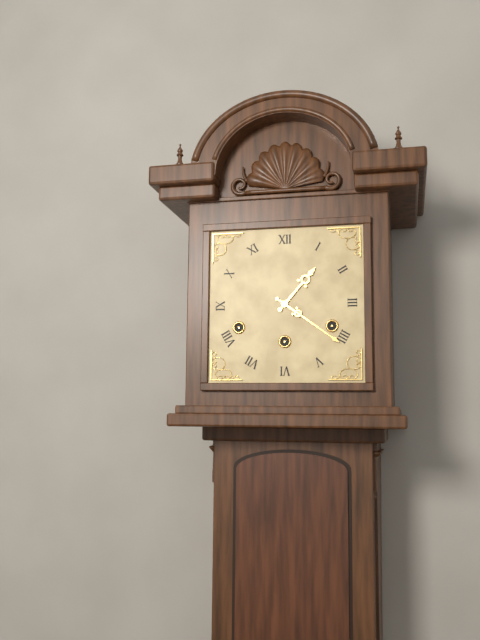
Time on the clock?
1:21
